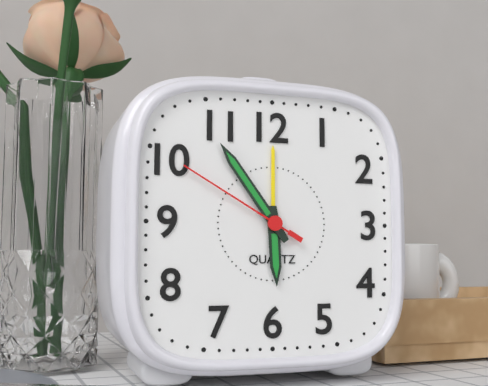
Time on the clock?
5:54:50
